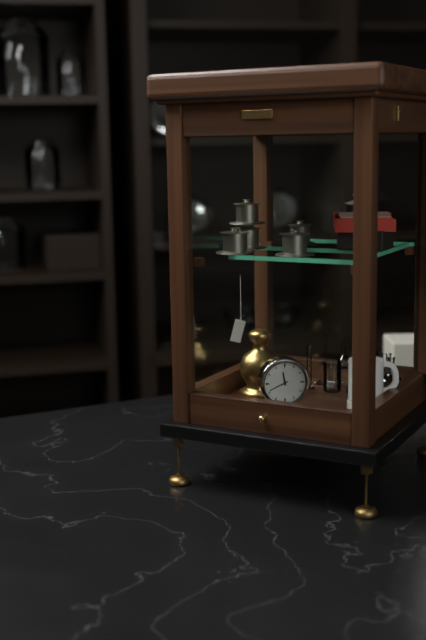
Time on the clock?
11:41
